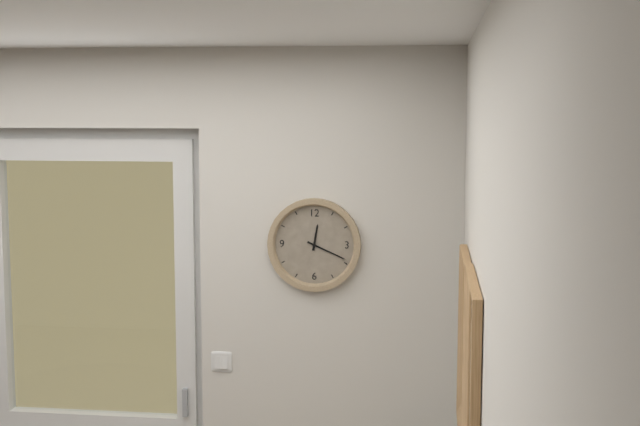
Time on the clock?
12:19
